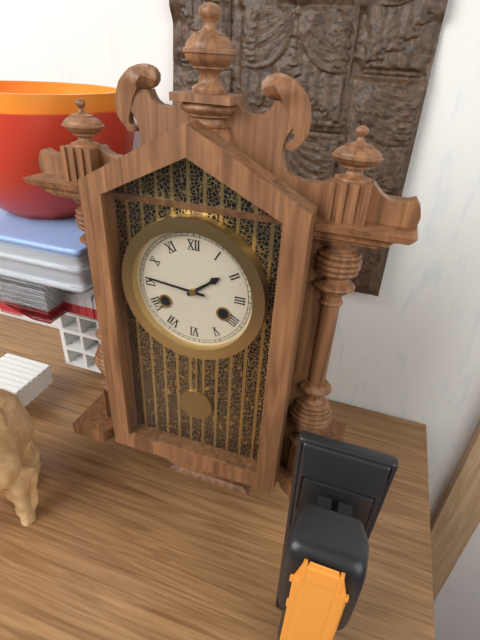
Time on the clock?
1:46
